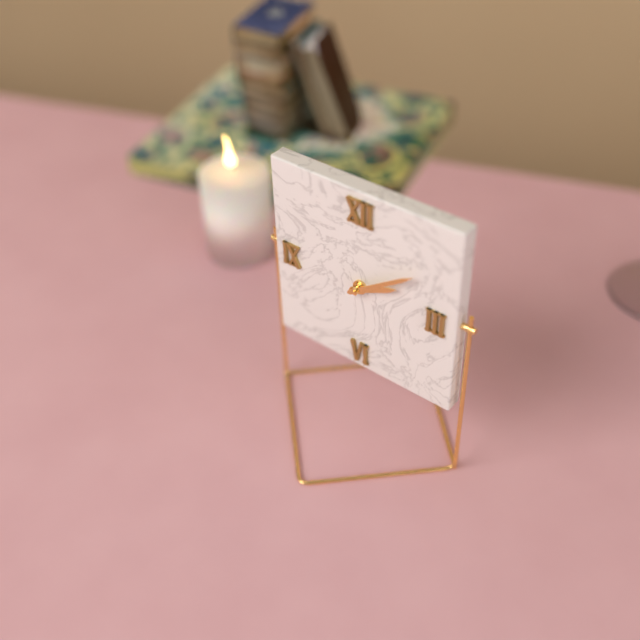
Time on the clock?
2:09
